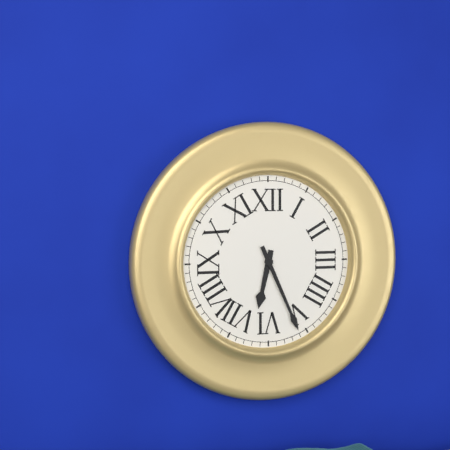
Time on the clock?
6:26
